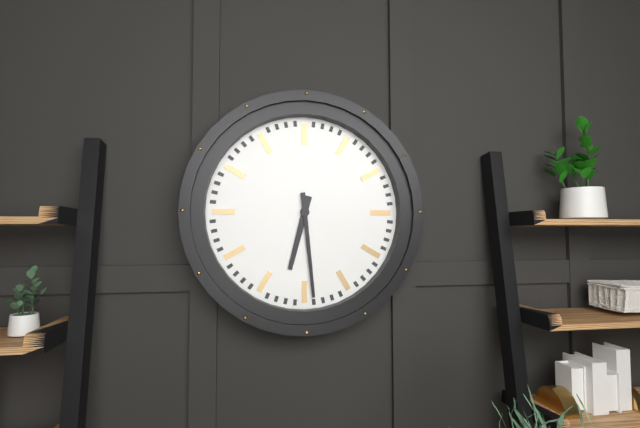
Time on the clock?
6:29
